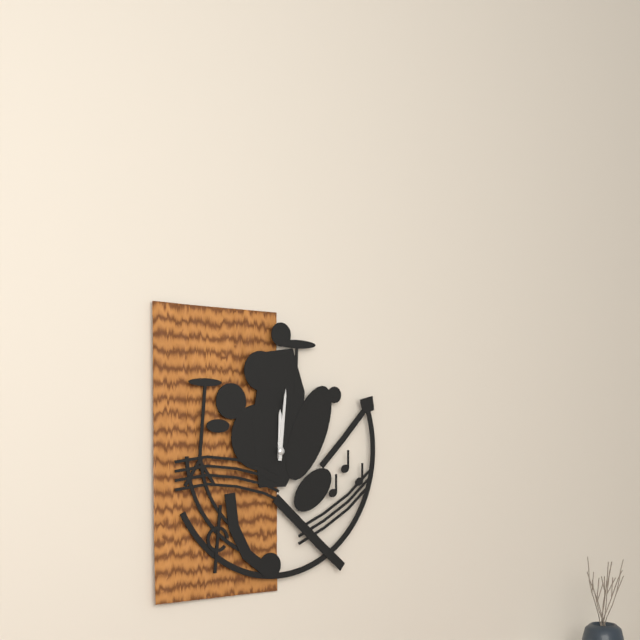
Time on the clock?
12:01
